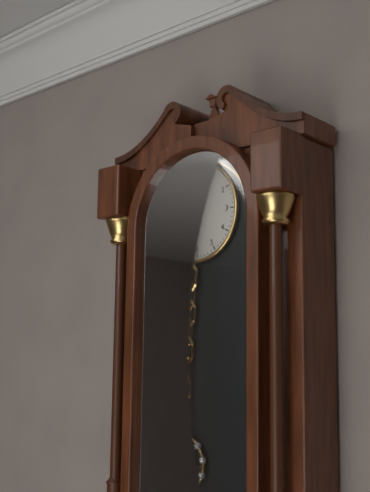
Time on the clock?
6:39
